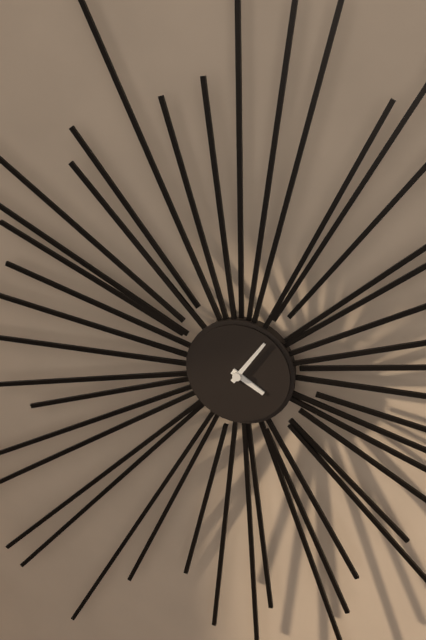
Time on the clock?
4:06
